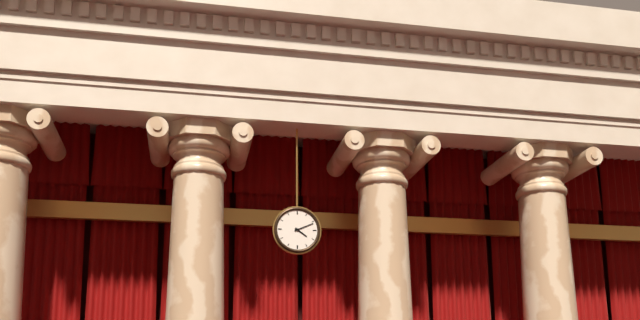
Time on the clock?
4:11
